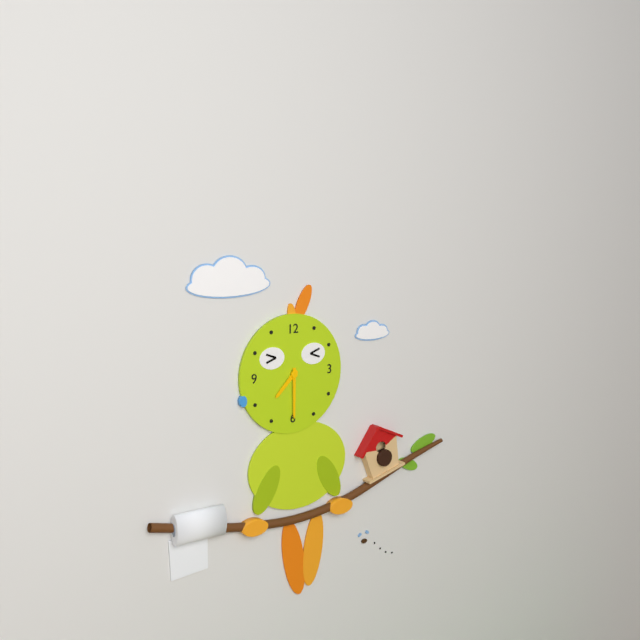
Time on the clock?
7:30
